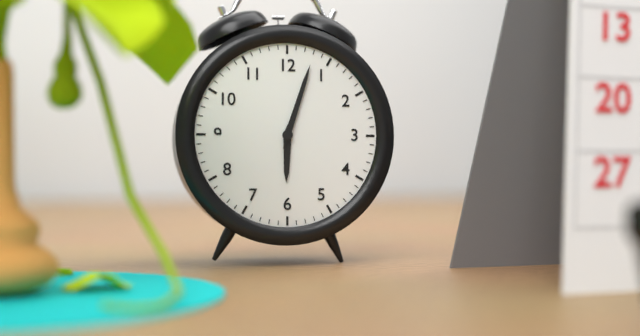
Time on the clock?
6:03
